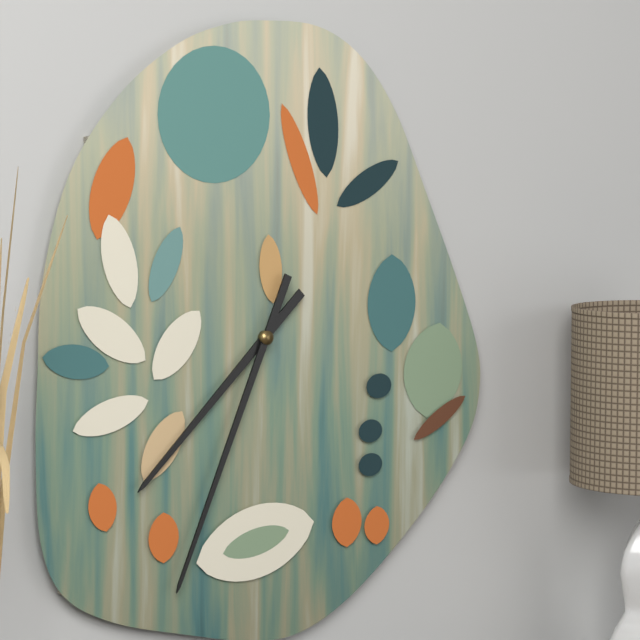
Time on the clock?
7:34
